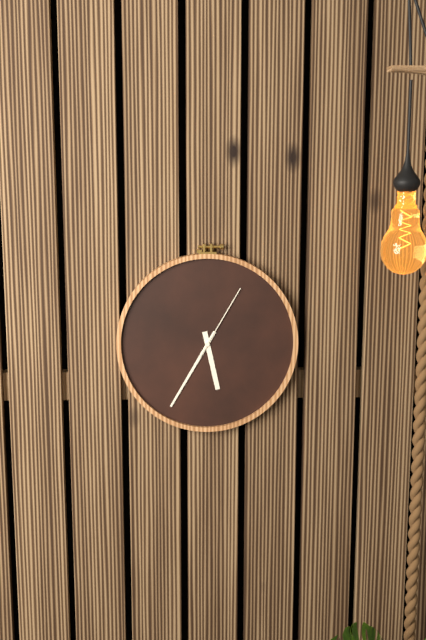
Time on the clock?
5:35:05
